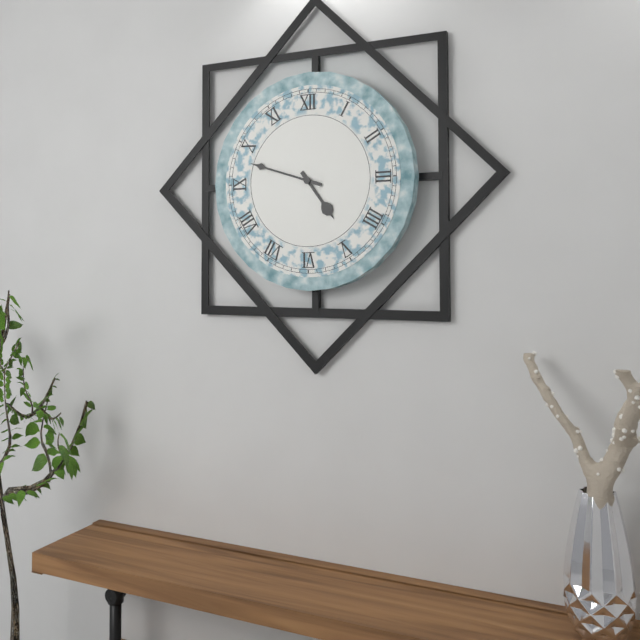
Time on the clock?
4:48
